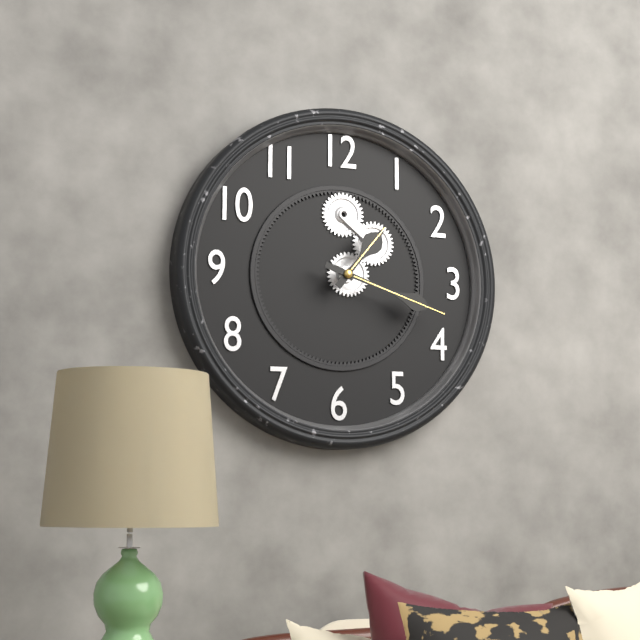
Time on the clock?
1:18
